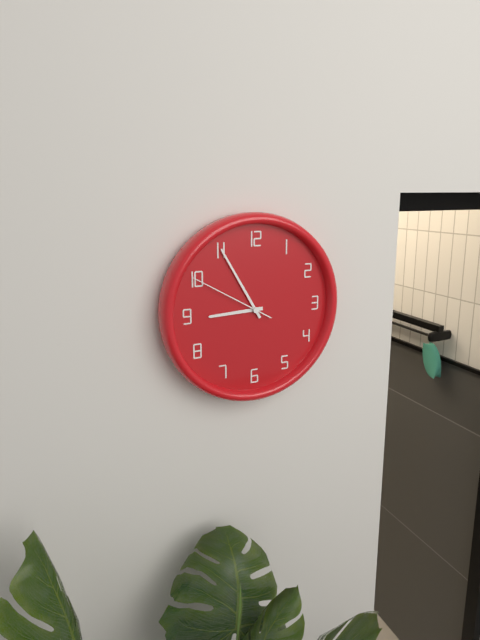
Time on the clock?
8:55:50
